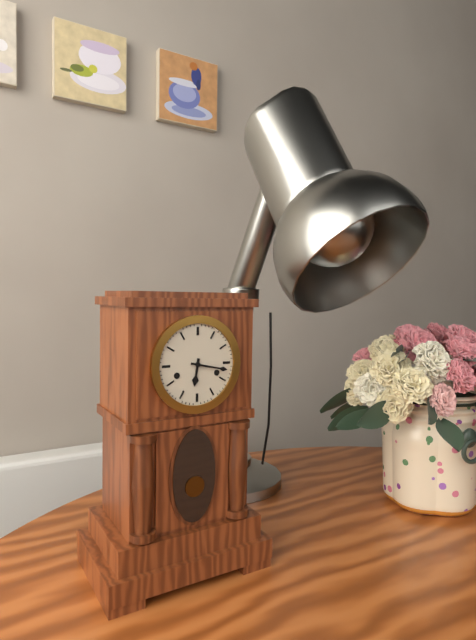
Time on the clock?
6:17
